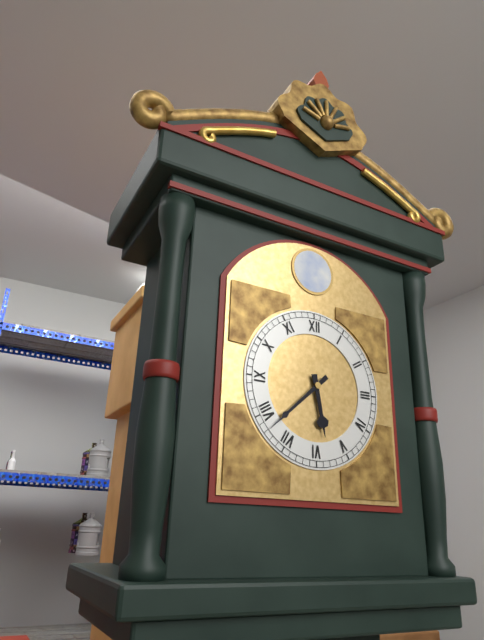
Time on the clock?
5:38
